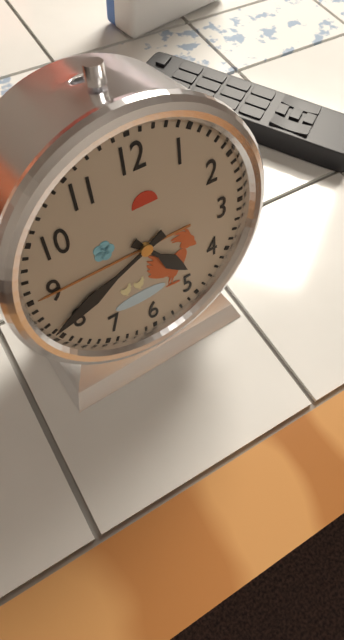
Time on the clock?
4:41
